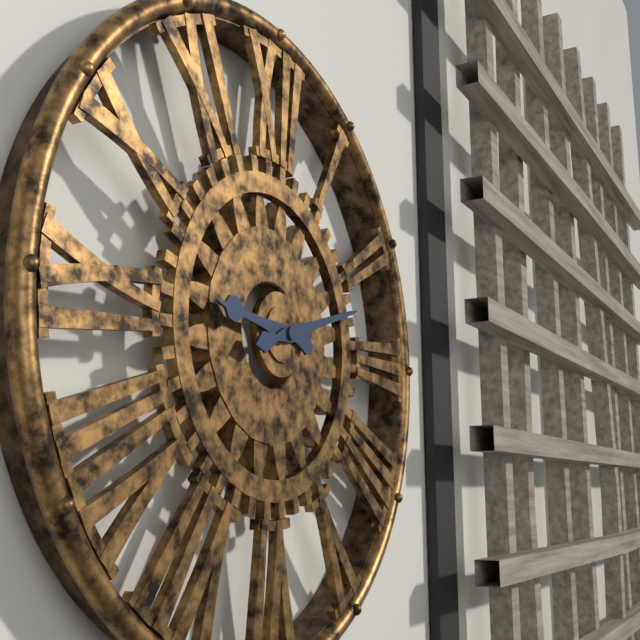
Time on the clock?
9:12
